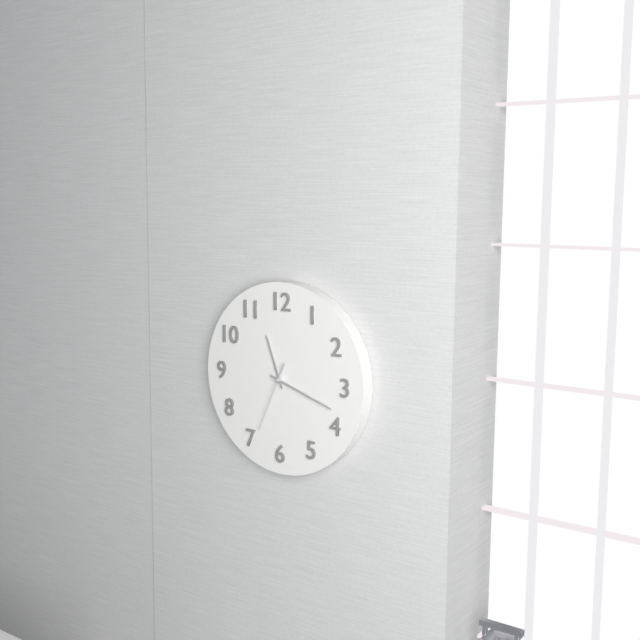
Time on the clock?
11:18:34
